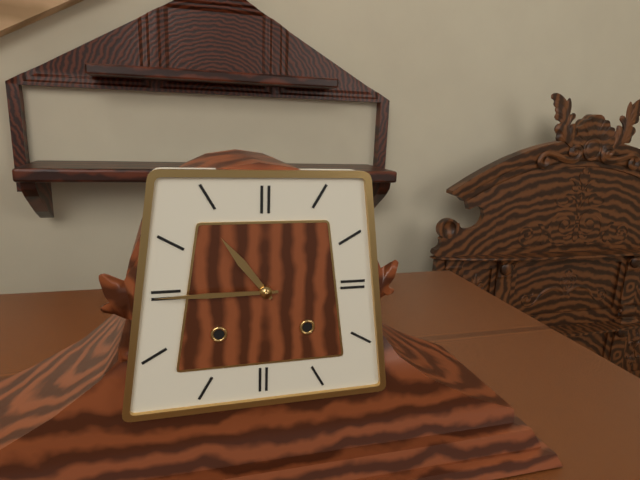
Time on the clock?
10:45
